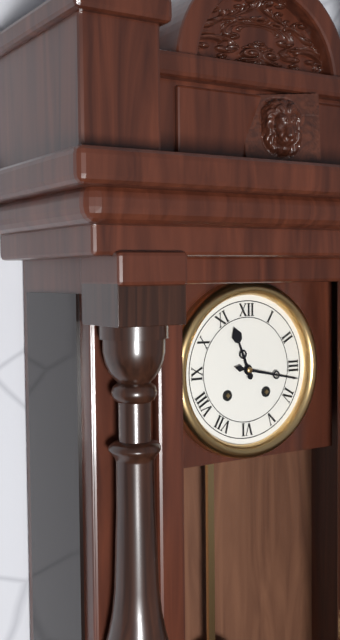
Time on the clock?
11:17
